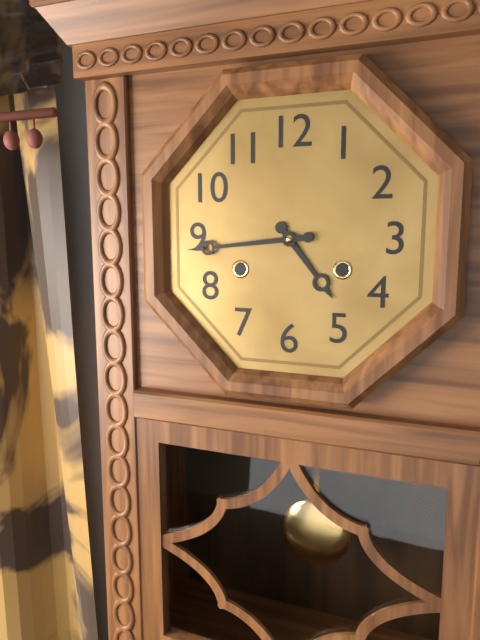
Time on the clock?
4:44
